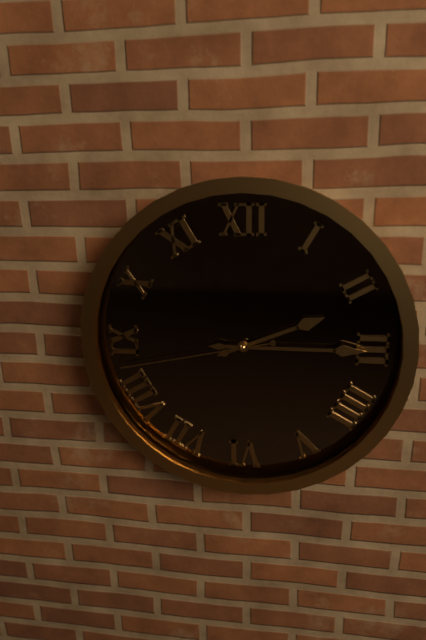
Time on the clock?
2:15:43
